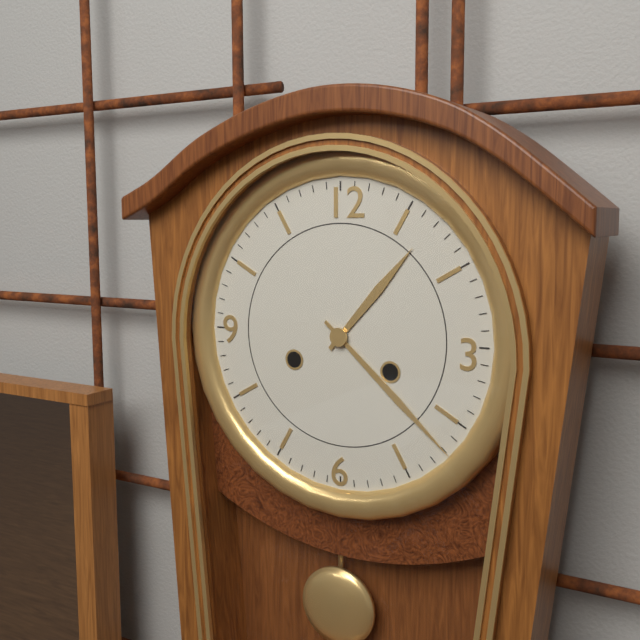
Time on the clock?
1:22
